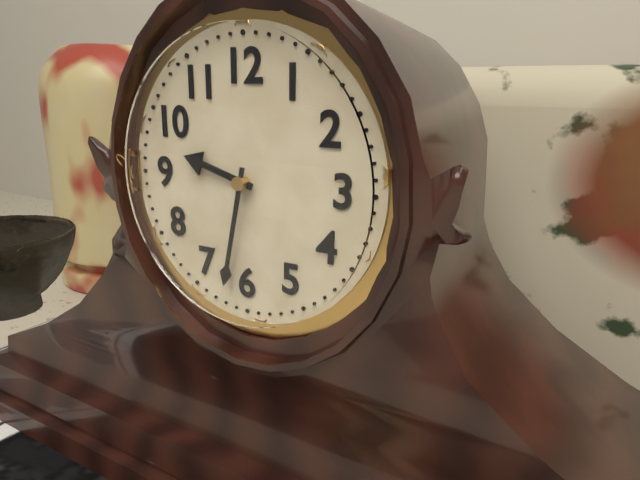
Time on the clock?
9:32
